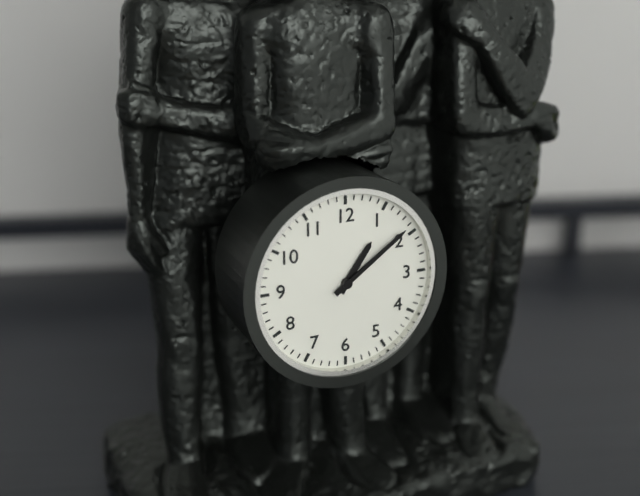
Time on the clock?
1:09
